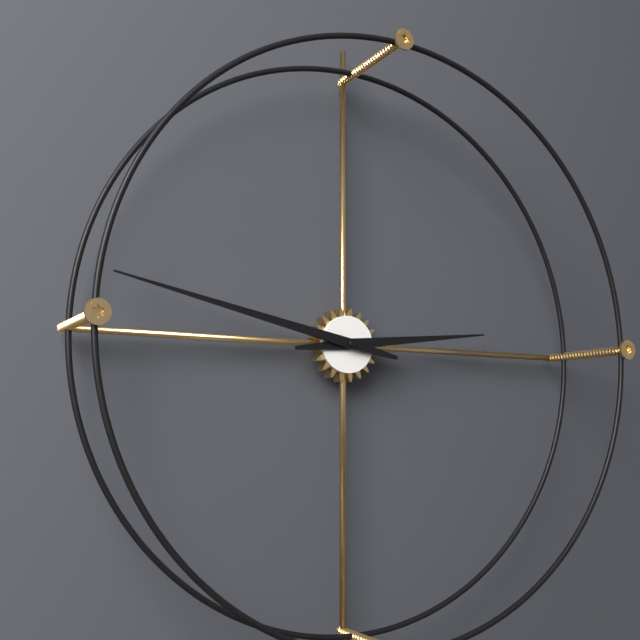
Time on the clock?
2:47
